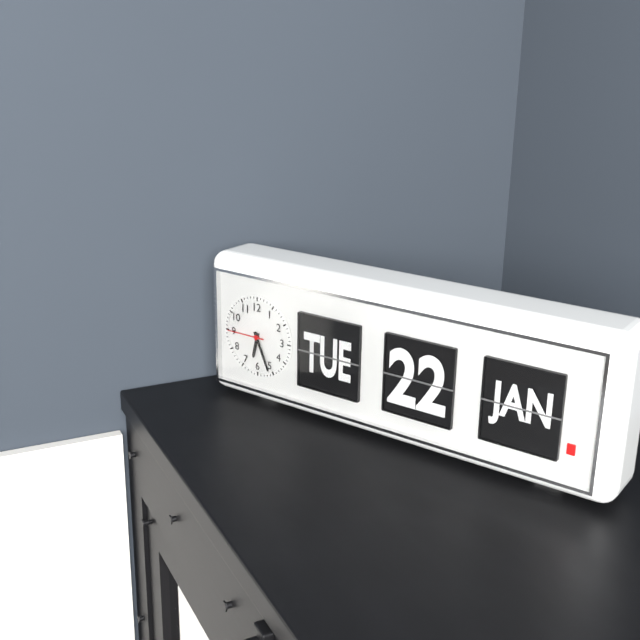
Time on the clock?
6:26:45
